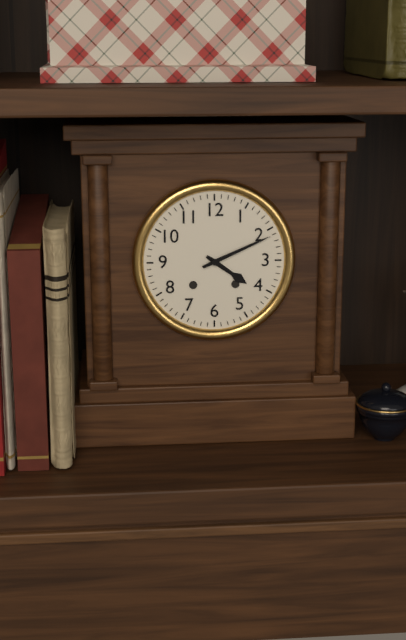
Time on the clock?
4:11
